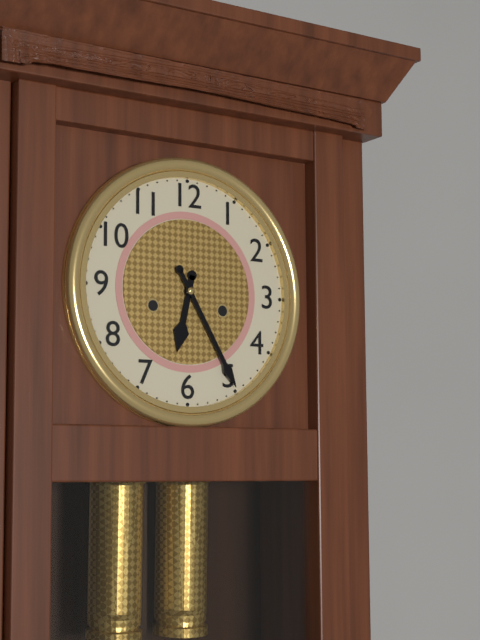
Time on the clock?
6:25
